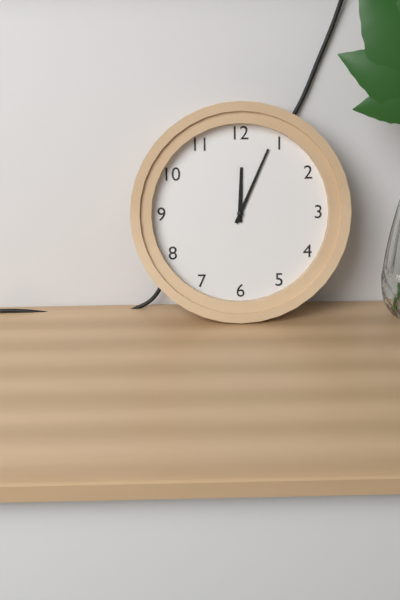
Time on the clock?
12:04
